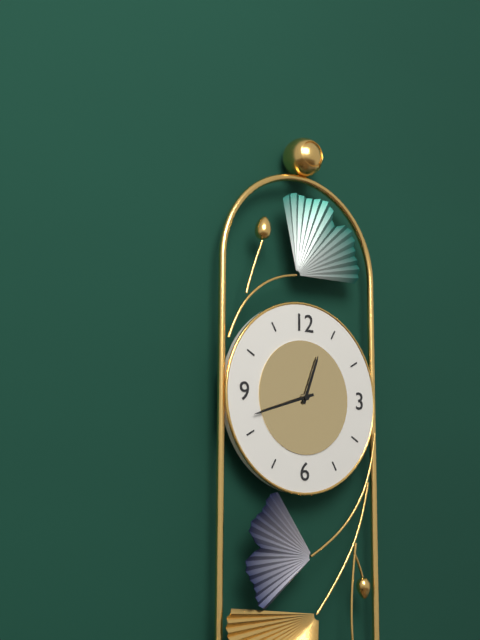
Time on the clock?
12:42
